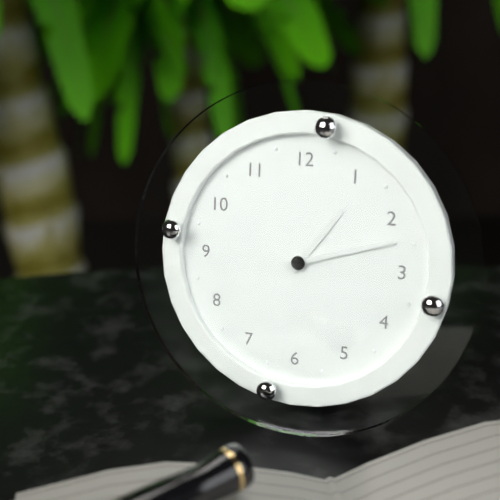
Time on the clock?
1:12
